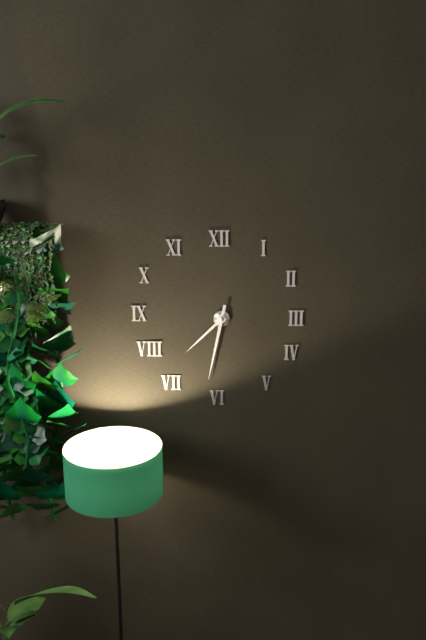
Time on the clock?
7:32
